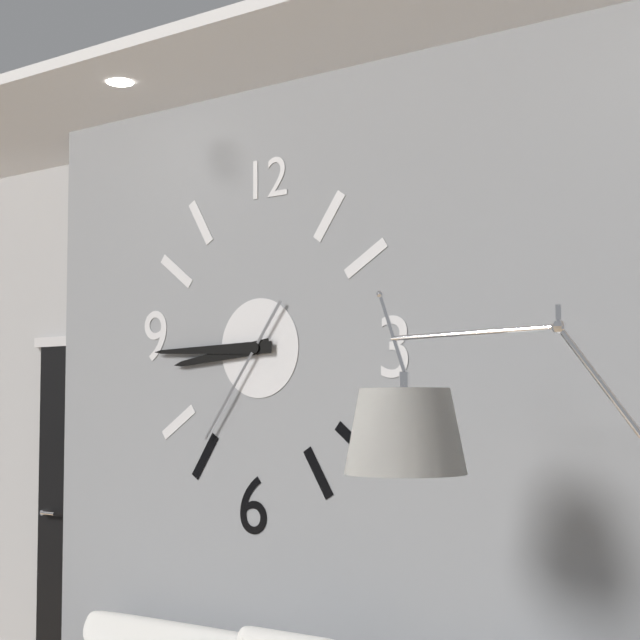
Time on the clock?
8:45:36
